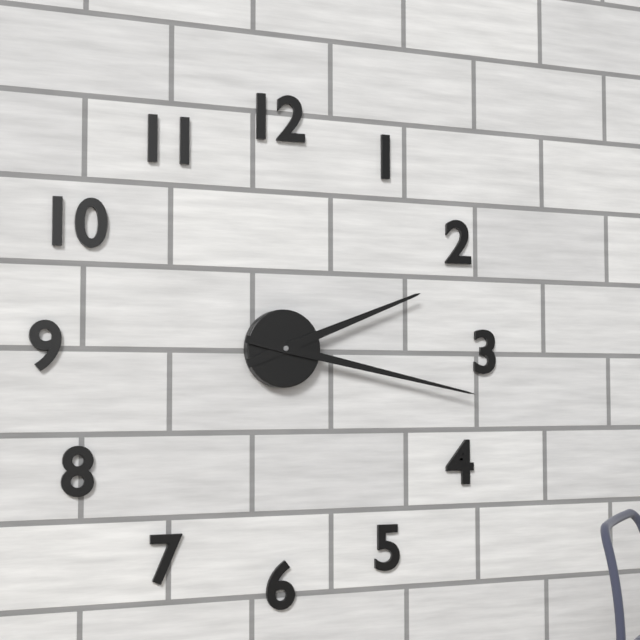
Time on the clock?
2:17
